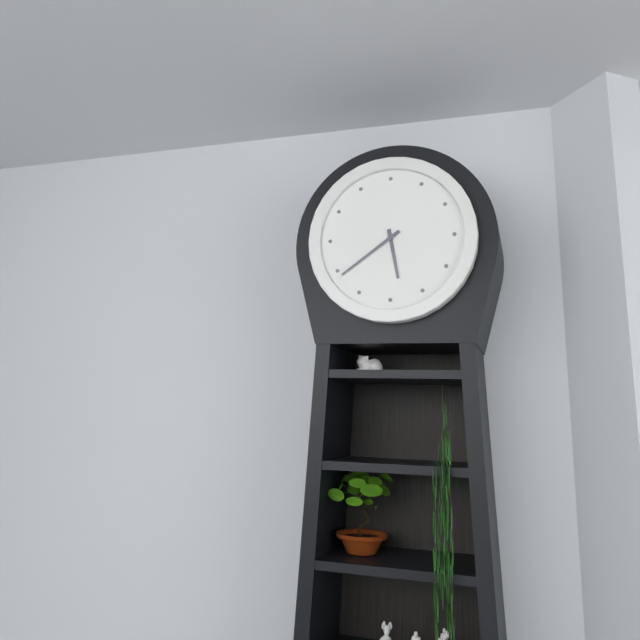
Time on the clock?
5:39
